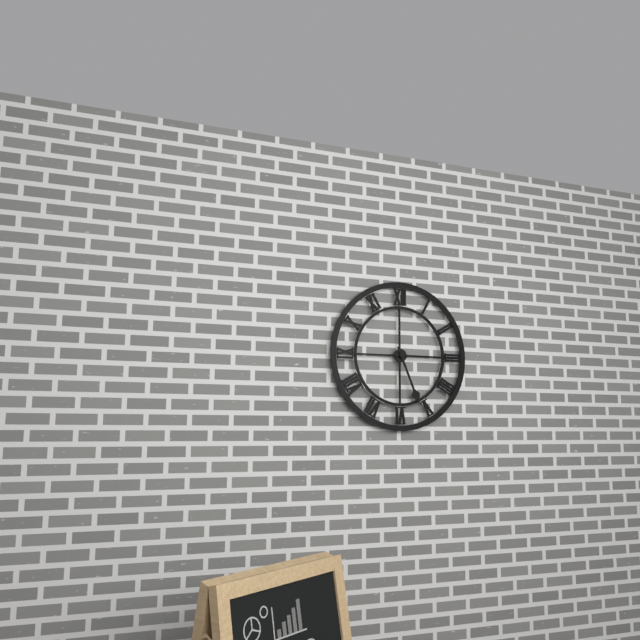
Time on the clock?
5:15
